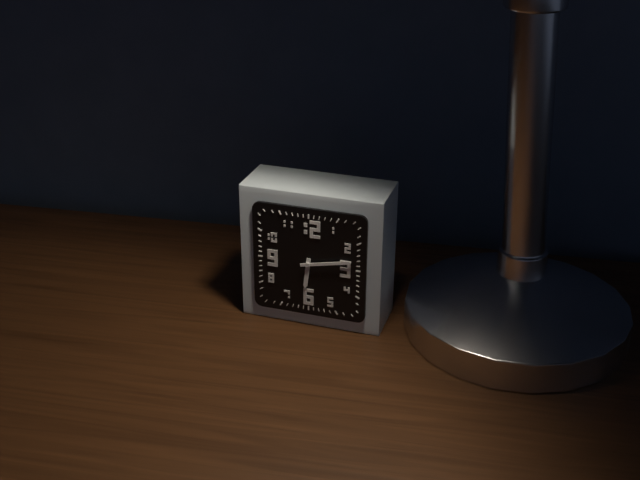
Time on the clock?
6:13
